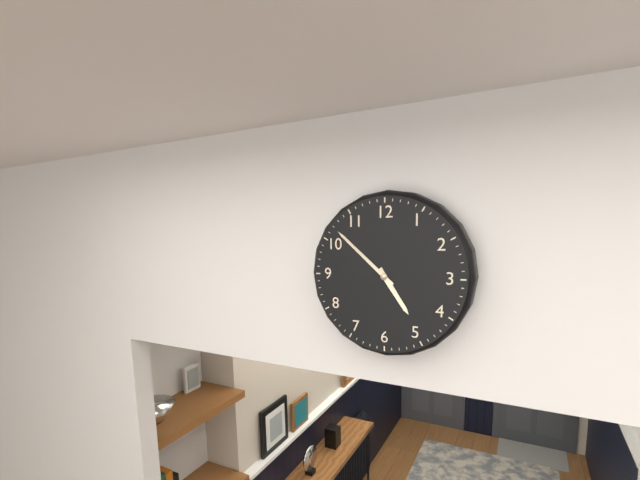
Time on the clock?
4:52
